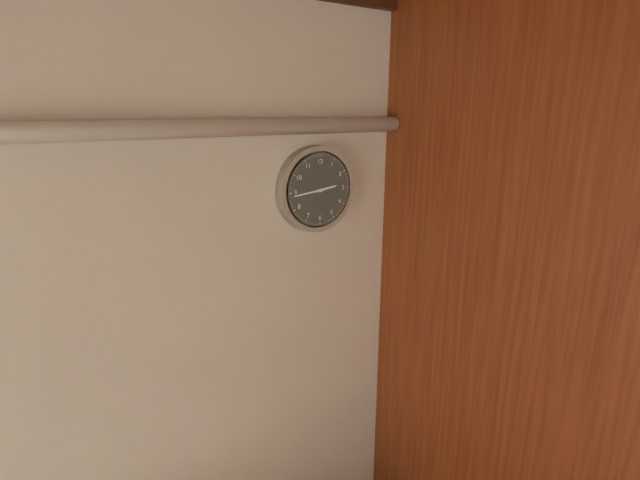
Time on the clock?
2:44
